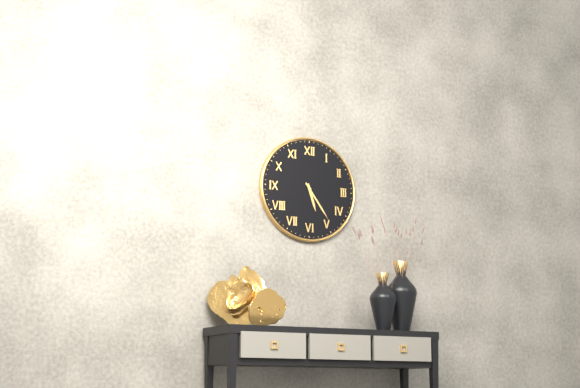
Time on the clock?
5:24
